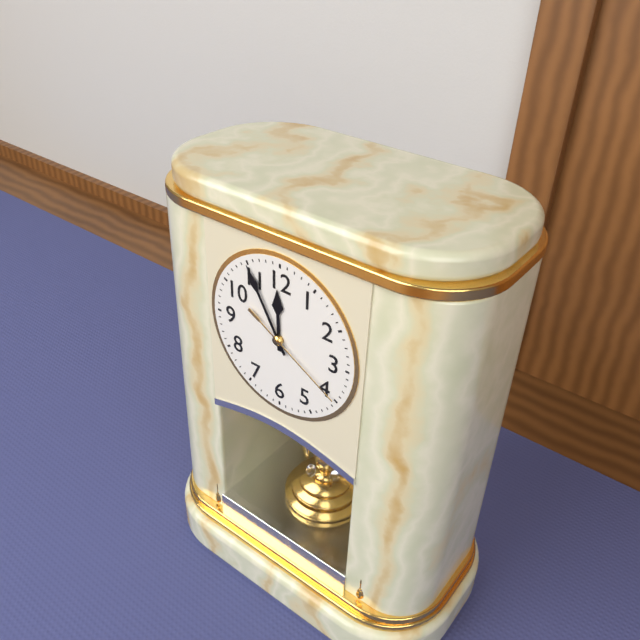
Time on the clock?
11:55:20
